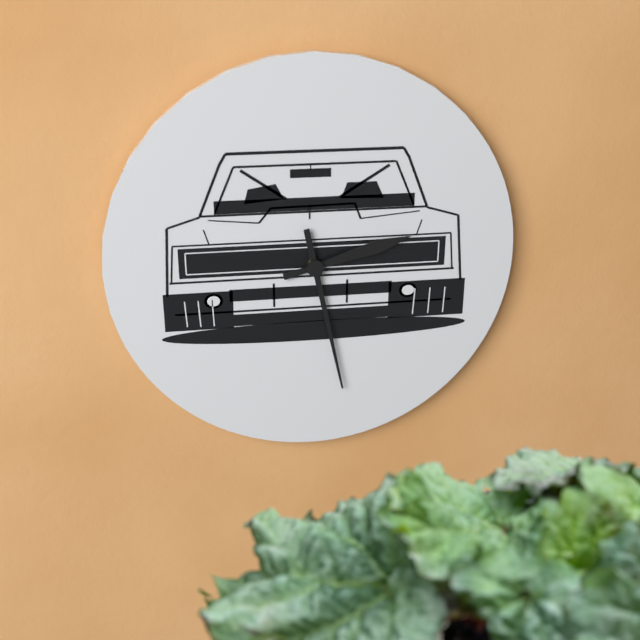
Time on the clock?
2:28
